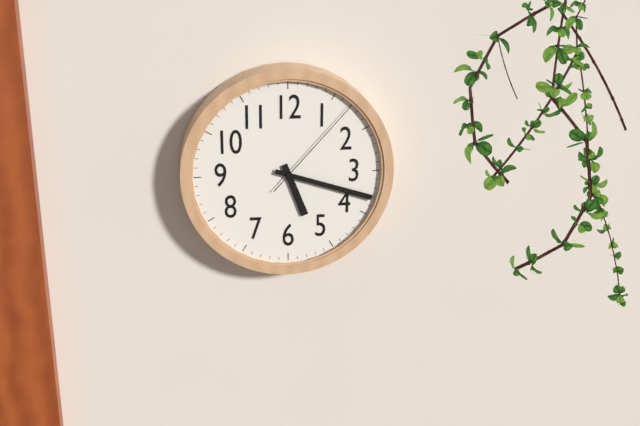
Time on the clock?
5:18:07
